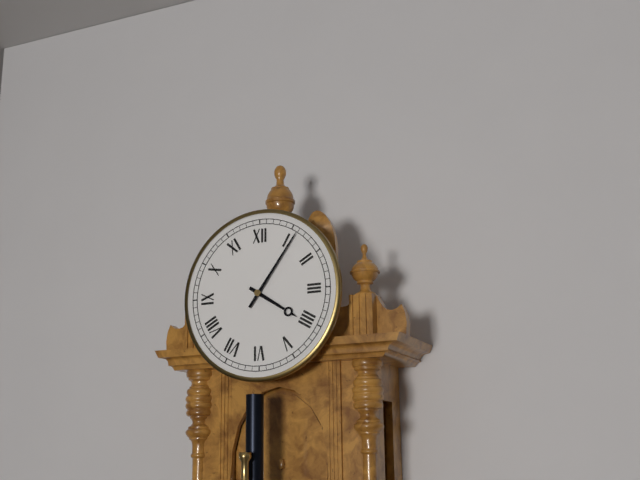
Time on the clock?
4:06
